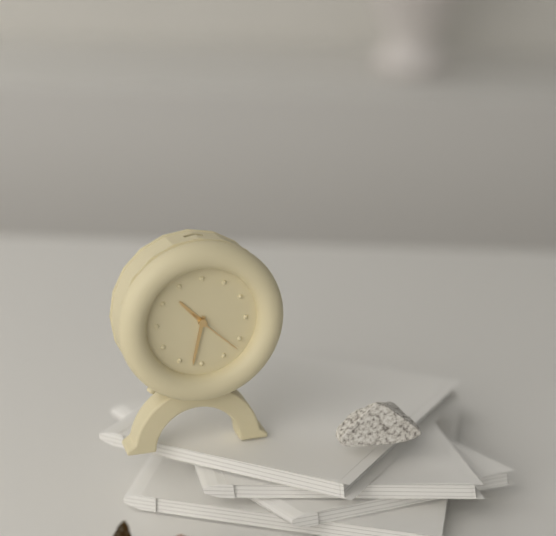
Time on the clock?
10:32:22
